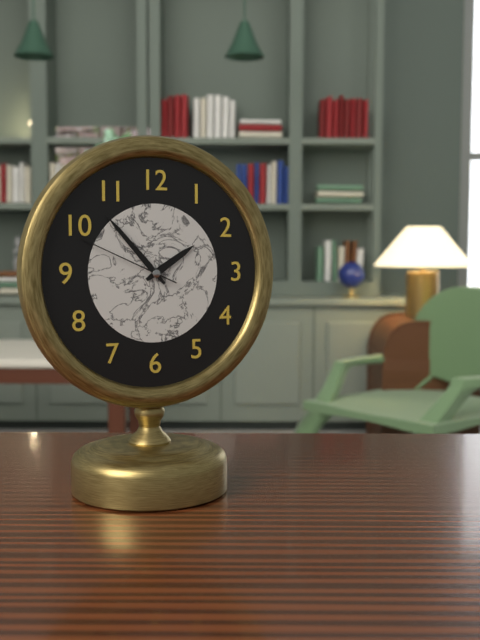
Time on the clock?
1:53:49
